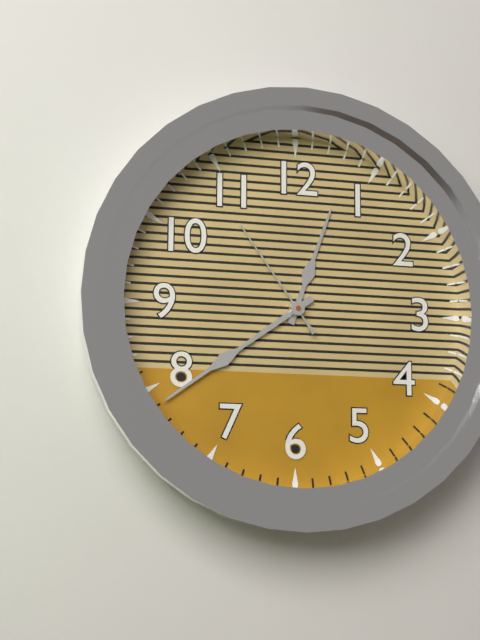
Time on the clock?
12:39:54
